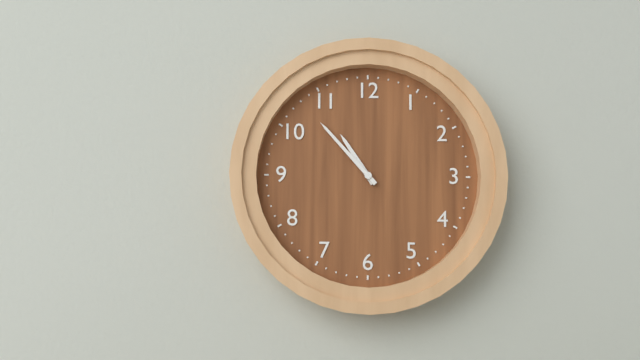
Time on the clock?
10:53
